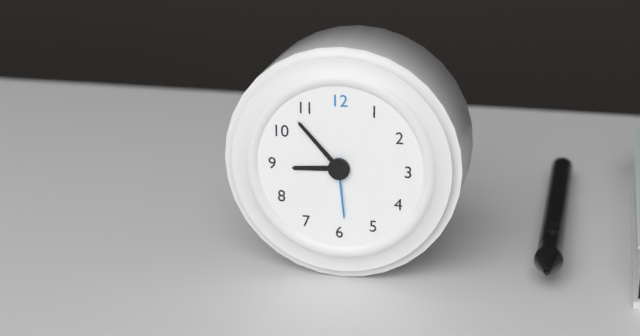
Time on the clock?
8:53:29
